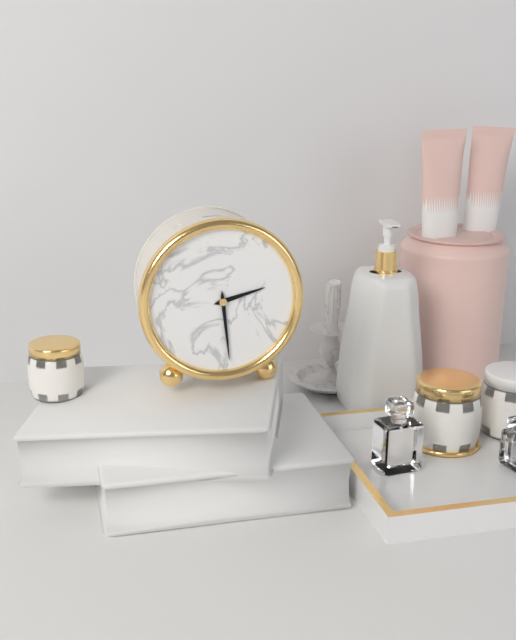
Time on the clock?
2:29
